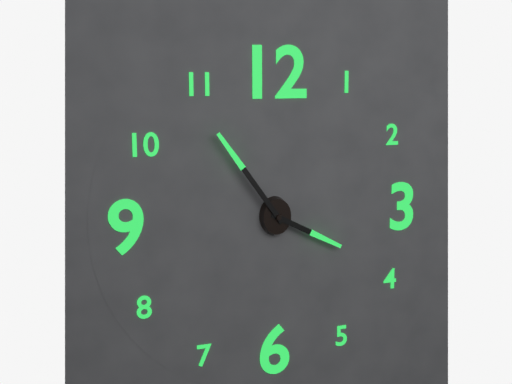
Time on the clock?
3:54
